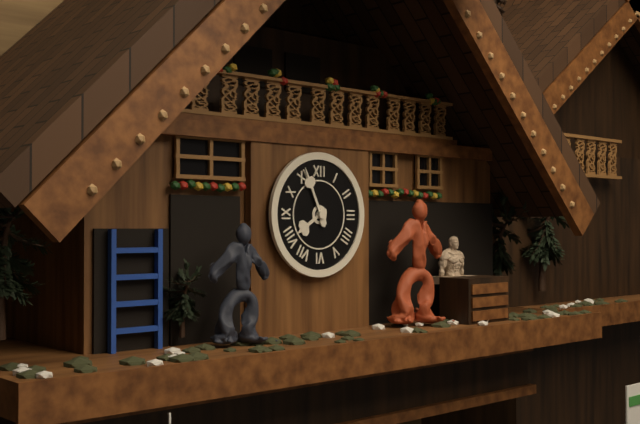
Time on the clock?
7:56
